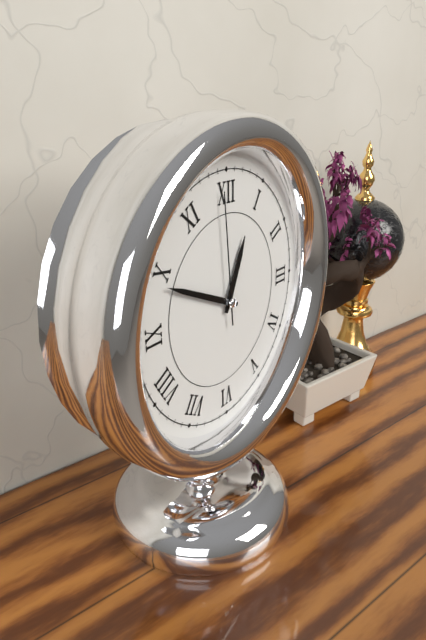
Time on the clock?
12:49:59
